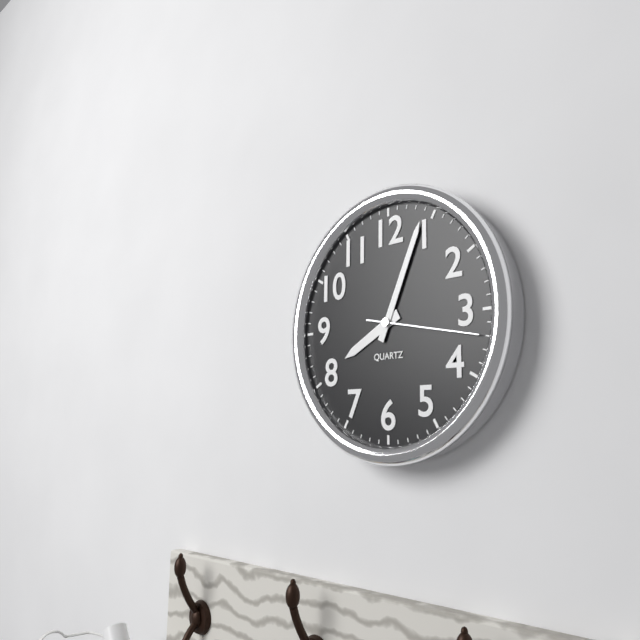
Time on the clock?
8:04:17
